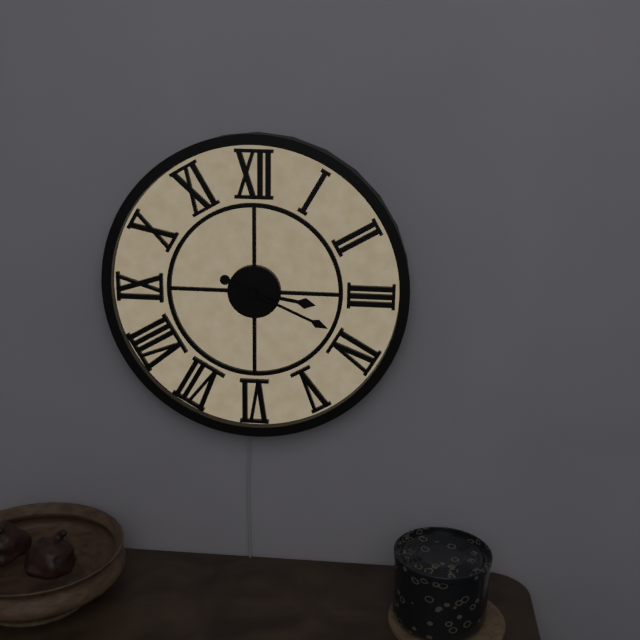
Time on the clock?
3:19
